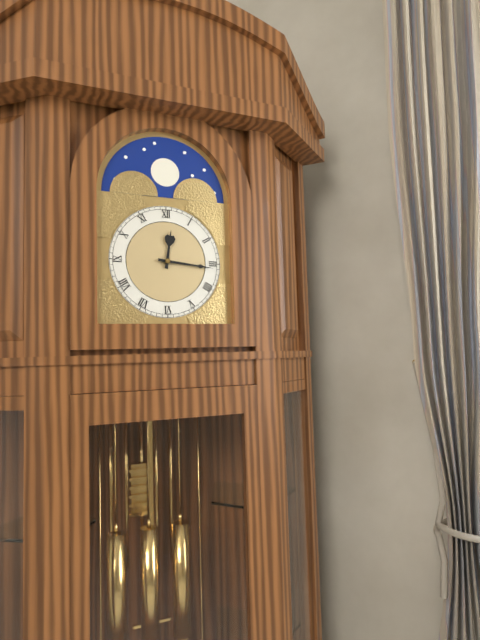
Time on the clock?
12:16
